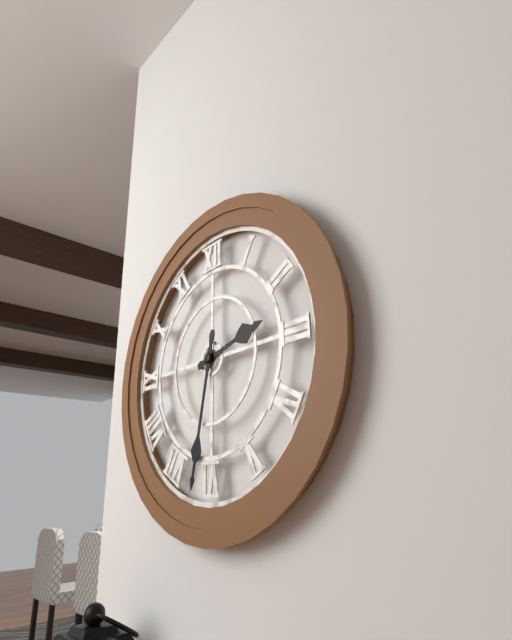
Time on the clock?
2:32
